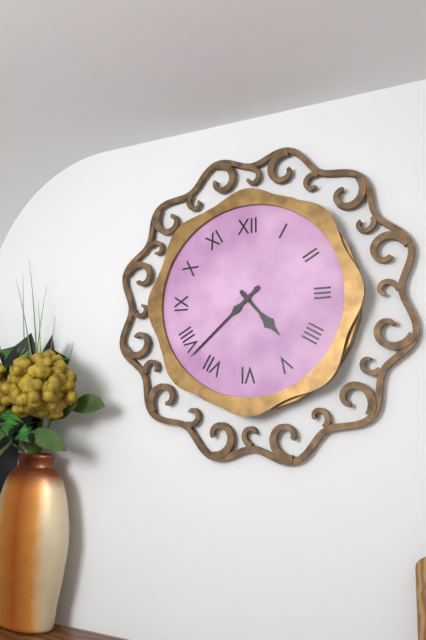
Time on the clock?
4:38
